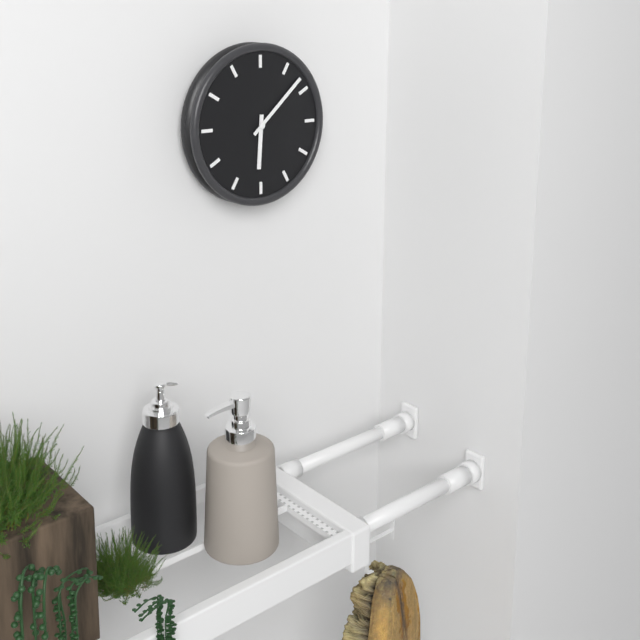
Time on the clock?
6:08
